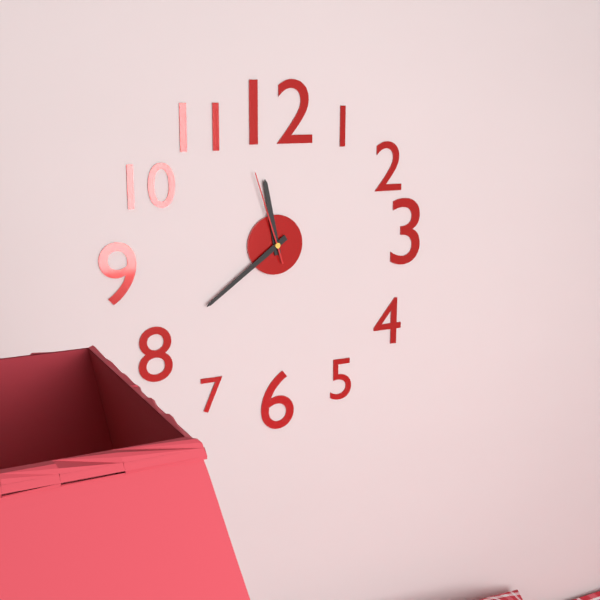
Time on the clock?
11:39:57
